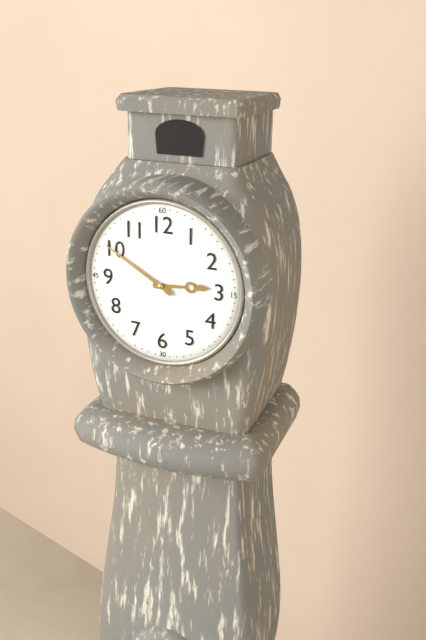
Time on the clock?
2:50
